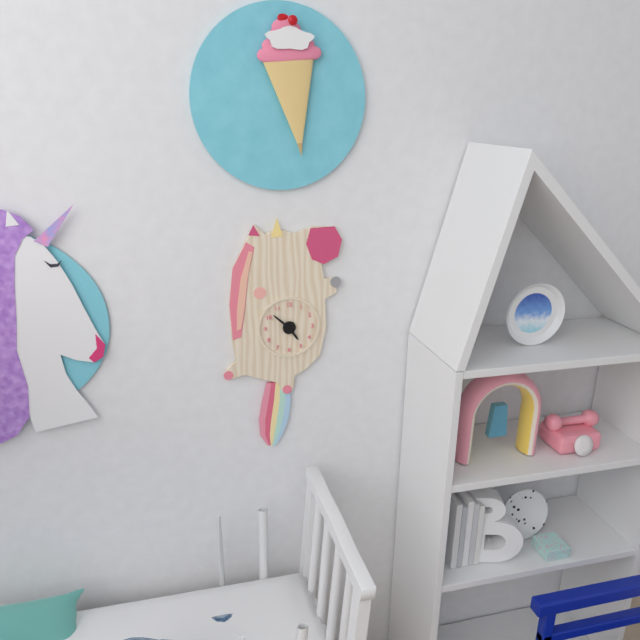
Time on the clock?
4:52
